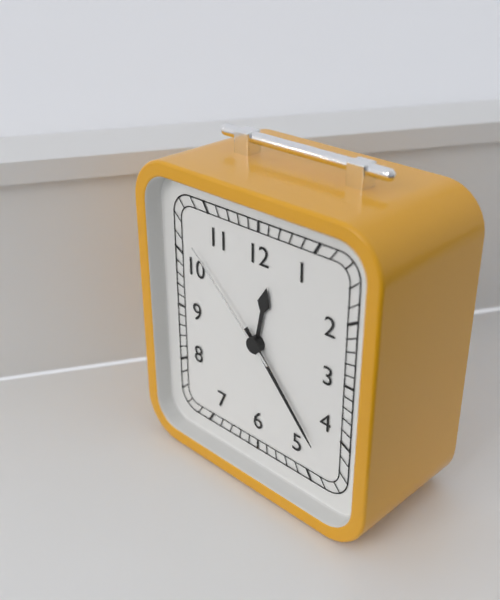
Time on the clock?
12:23:52
